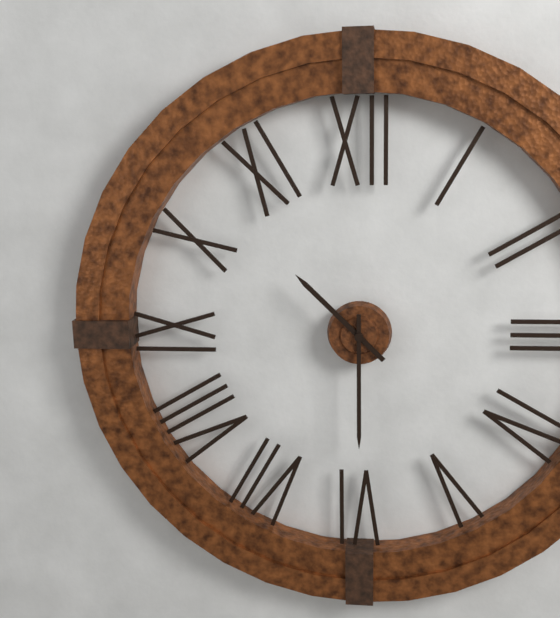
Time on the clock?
10:30
